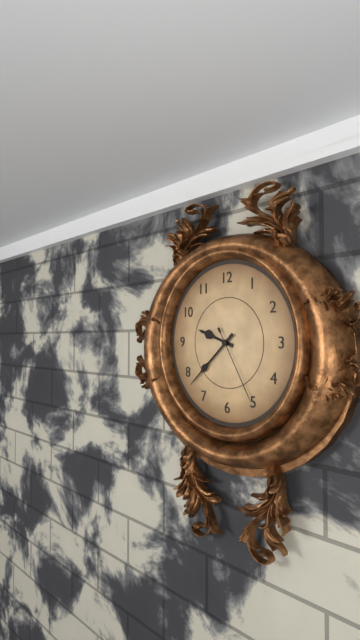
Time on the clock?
9:38:25
